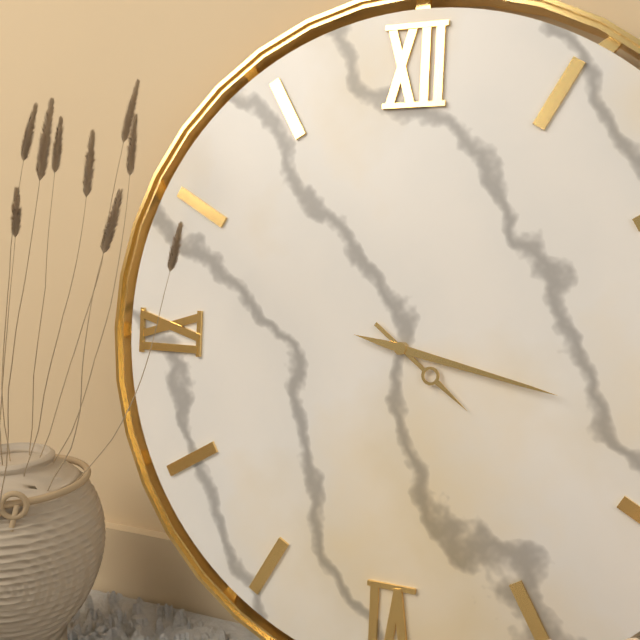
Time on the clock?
4:17
